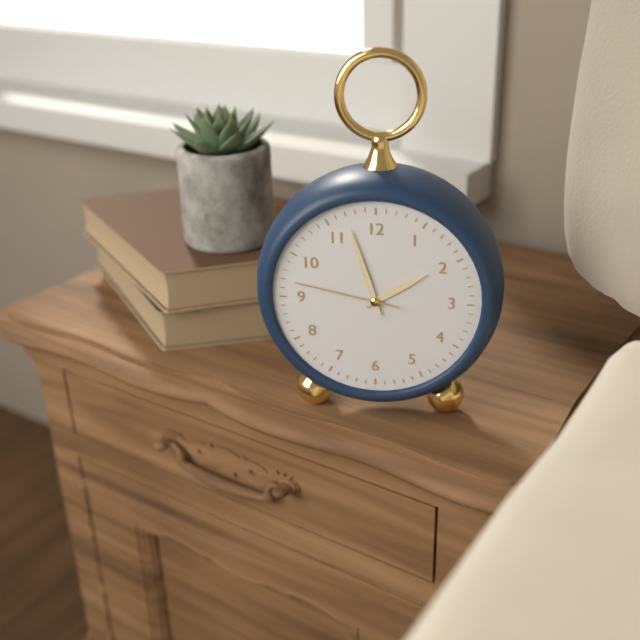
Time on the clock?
1:57:47
